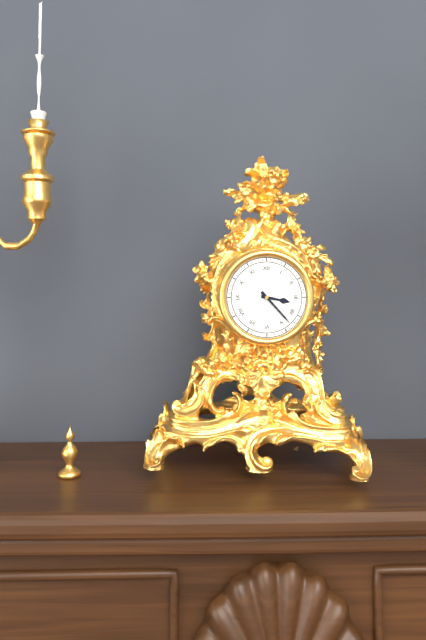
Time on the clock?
3:23
